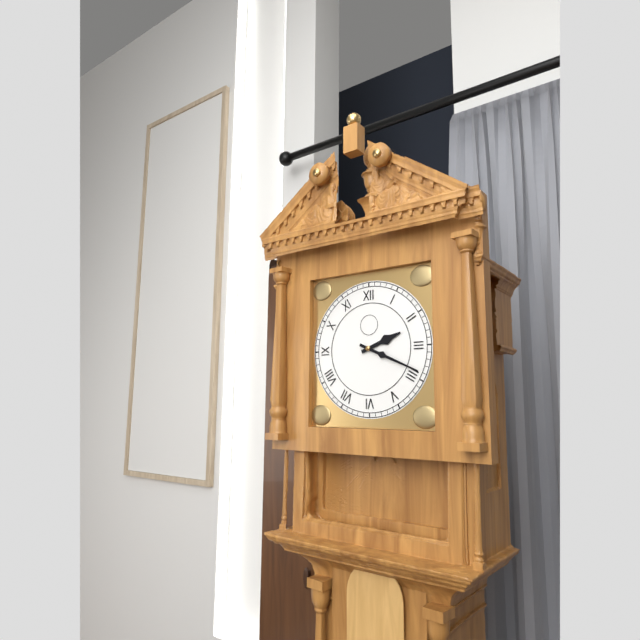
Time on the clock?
2:19
